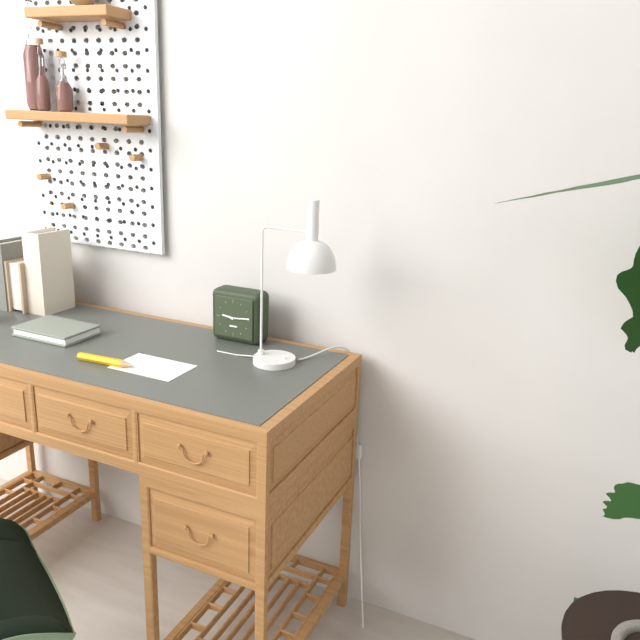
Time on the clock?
9:14
